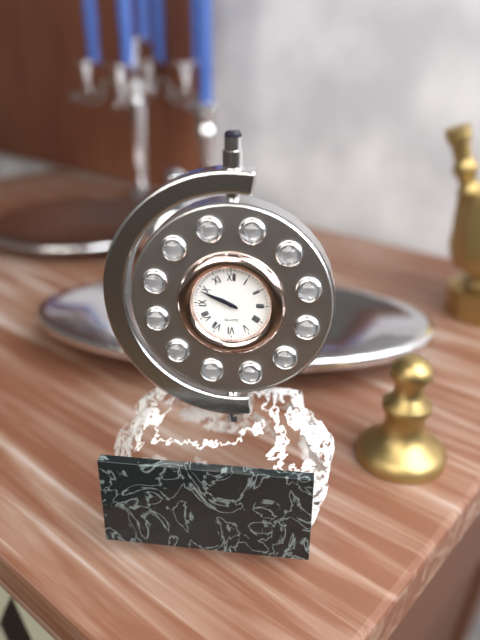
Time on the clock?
9:49
